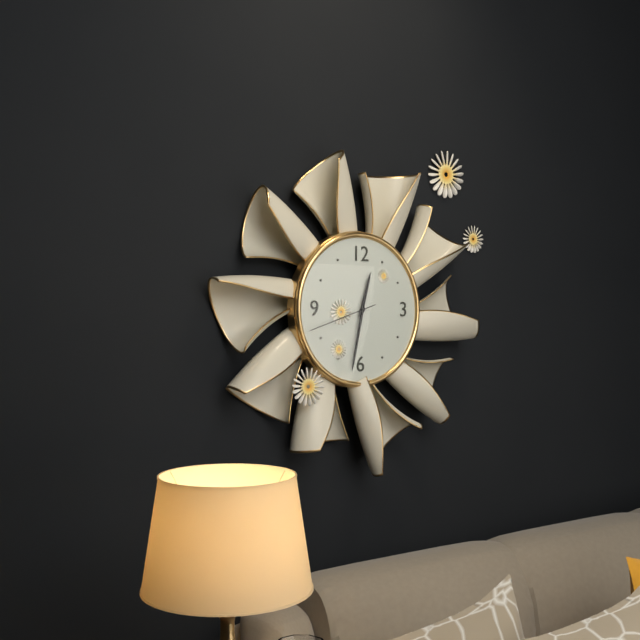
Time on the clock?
12:32
